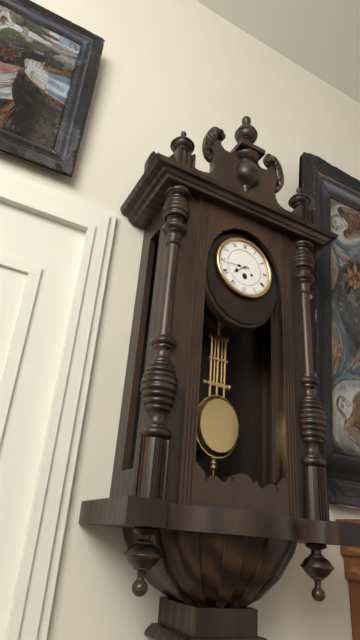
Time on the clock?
7:44
